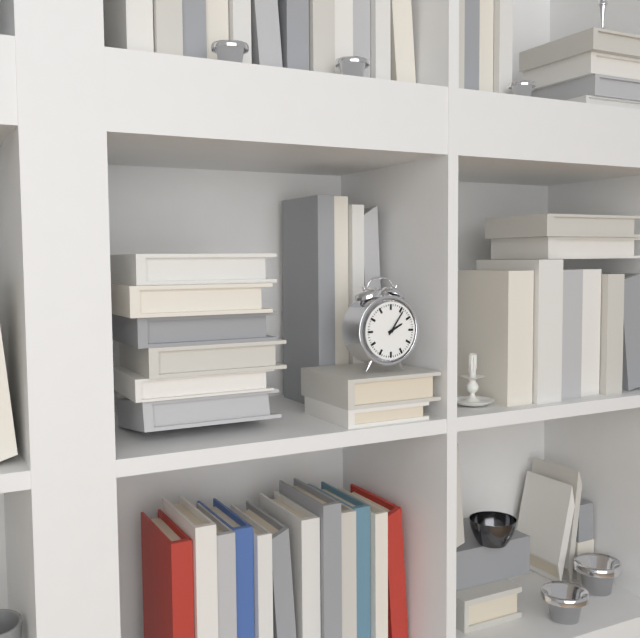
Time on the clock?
2:06
